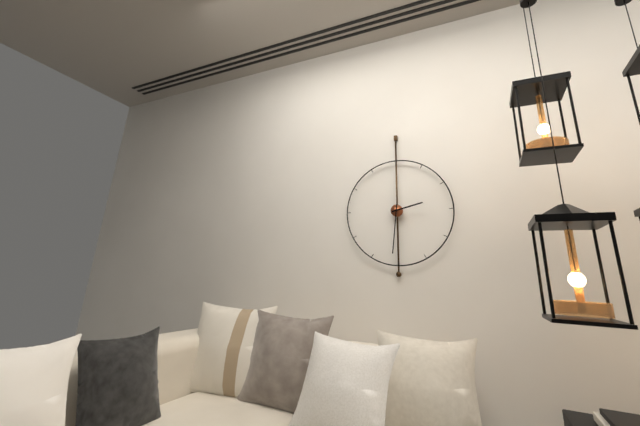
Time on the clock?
2:31
